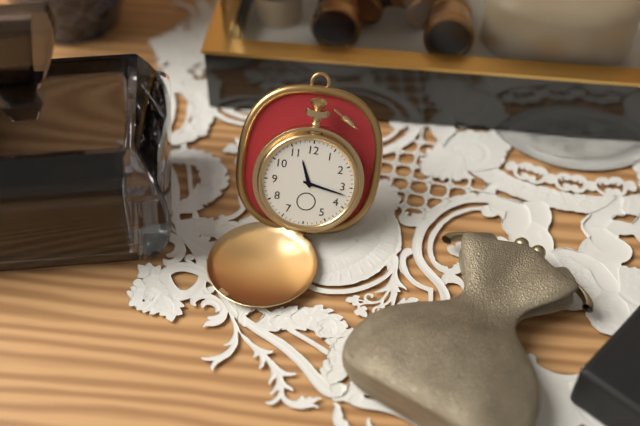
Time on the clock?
11:17
